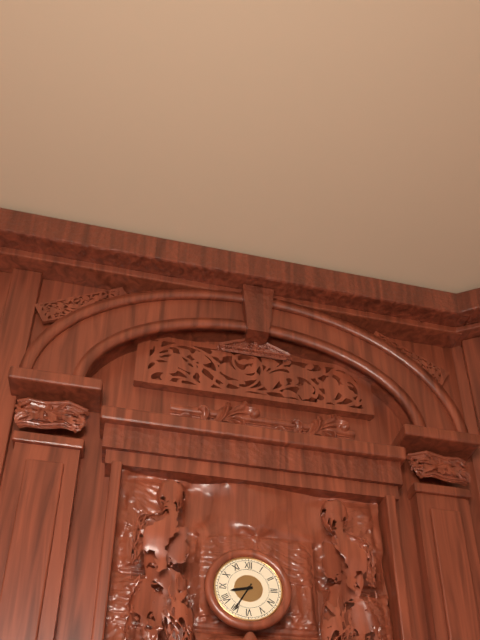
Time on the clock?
8:35
